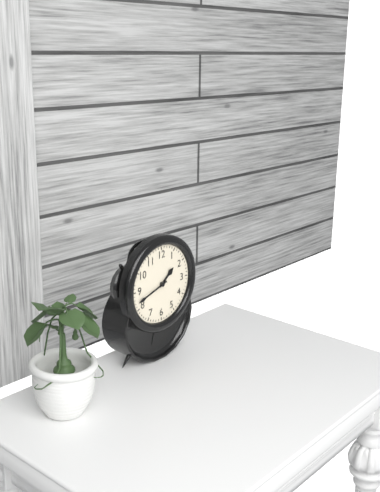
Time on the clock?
1:42
